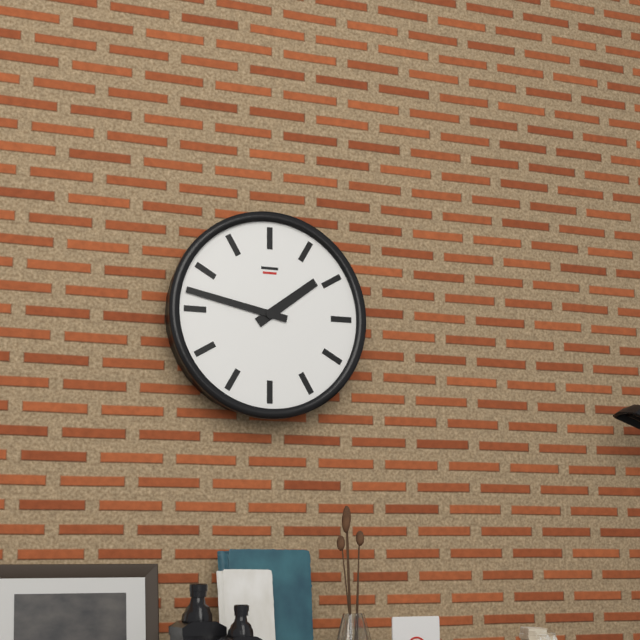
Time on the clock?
1:47
